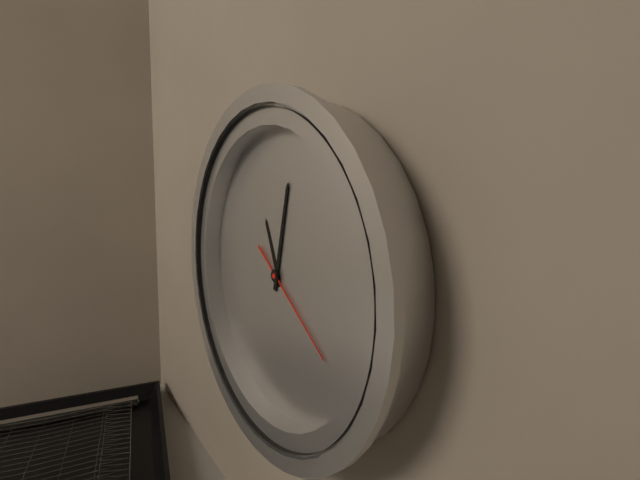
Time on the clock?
11:01:20
